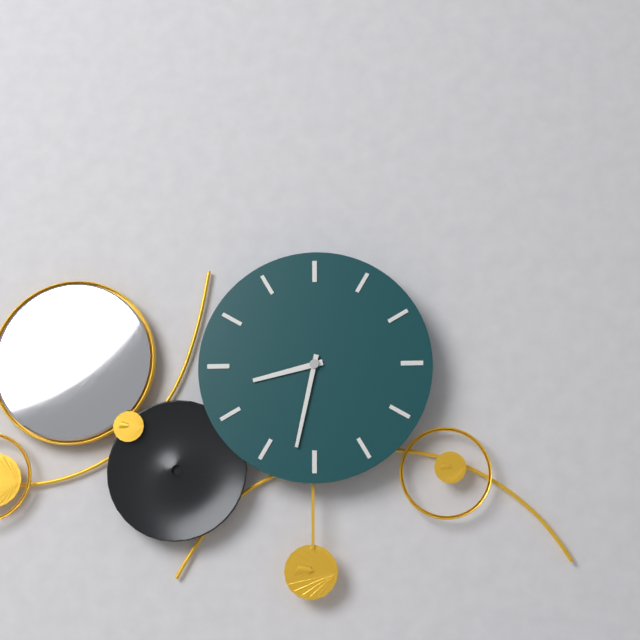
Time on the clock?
8:32
